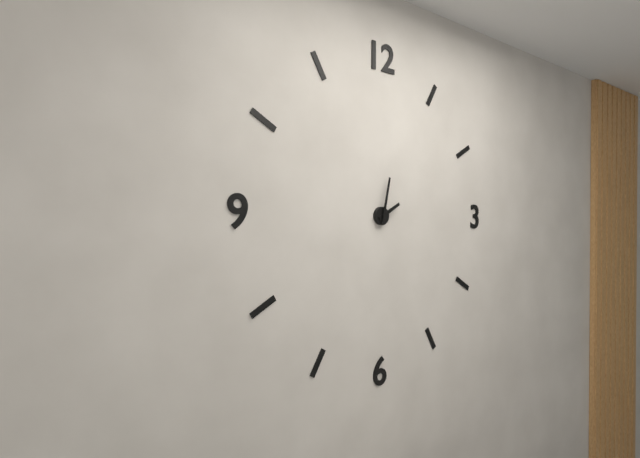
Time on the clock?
2:02
